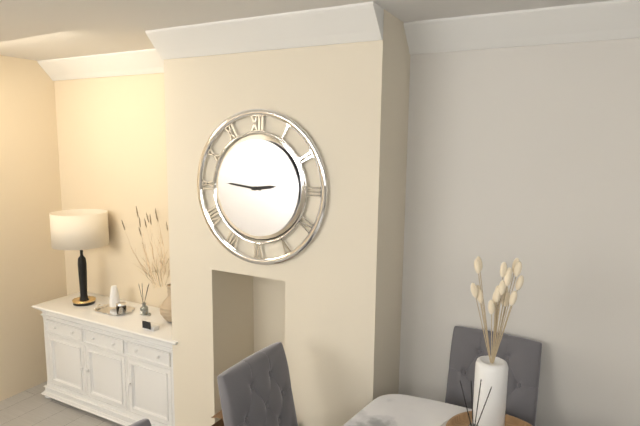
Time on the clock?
2:46
